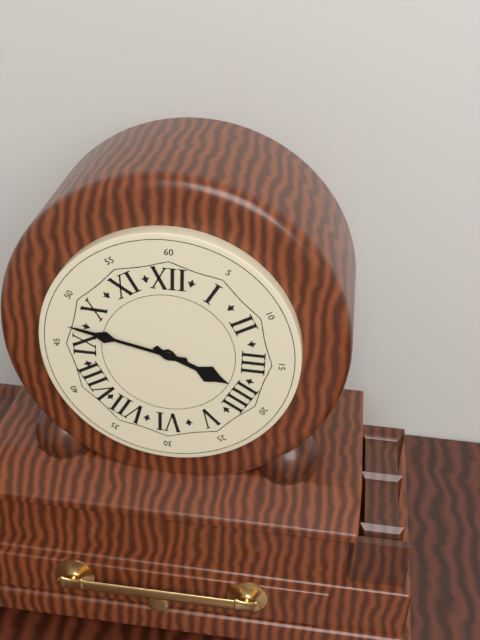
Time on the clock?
3:47
